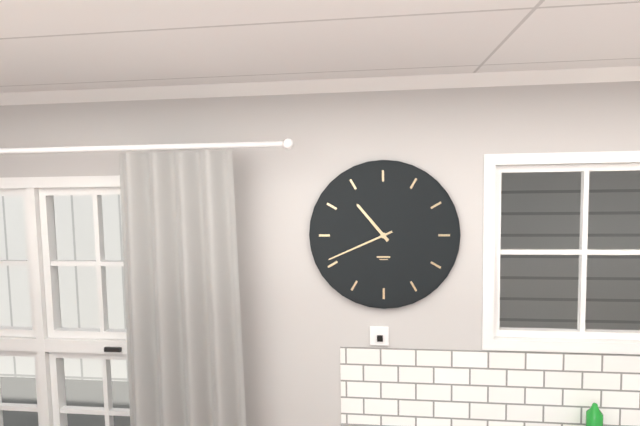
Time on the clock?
10:41
